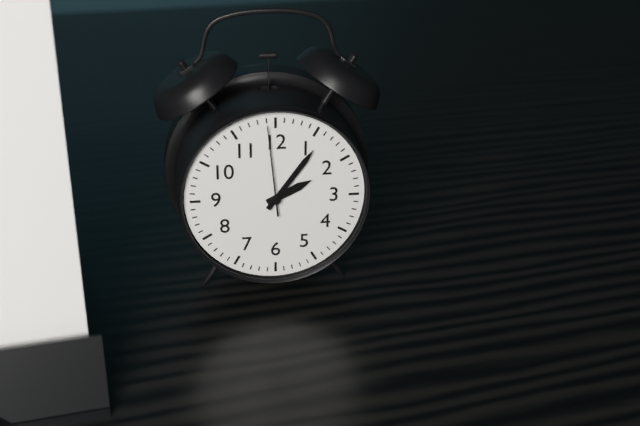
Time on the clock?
2:06:59
